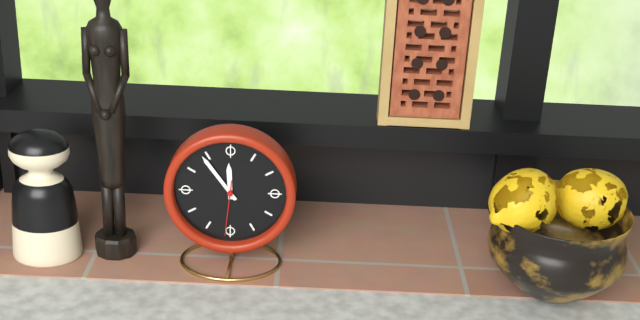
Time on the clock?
11:54:31
